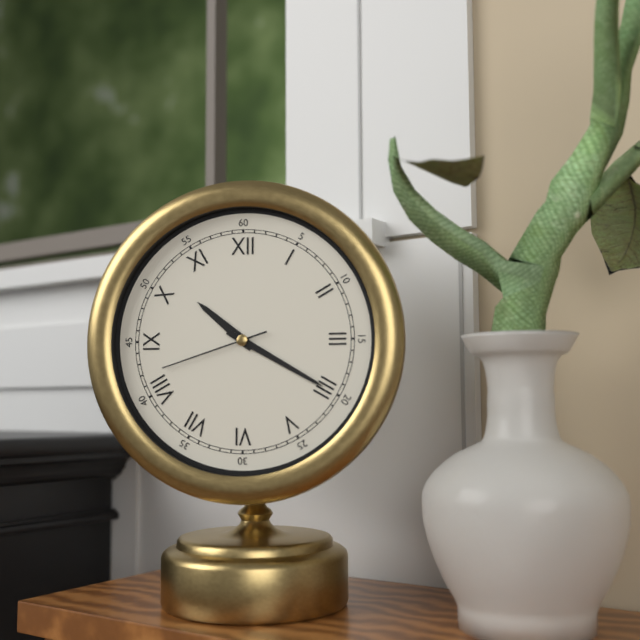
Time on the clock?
10:20:42
